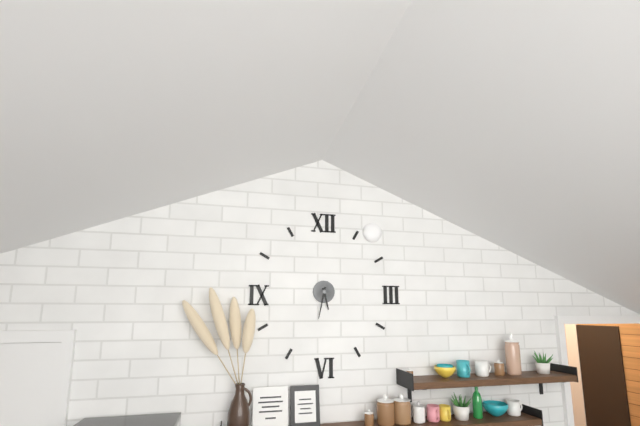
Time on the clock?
5:32
